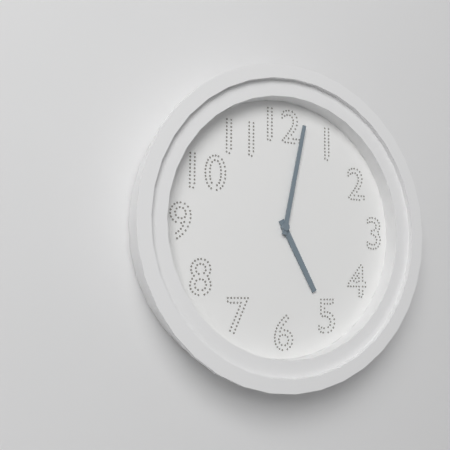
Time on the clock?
5:02
